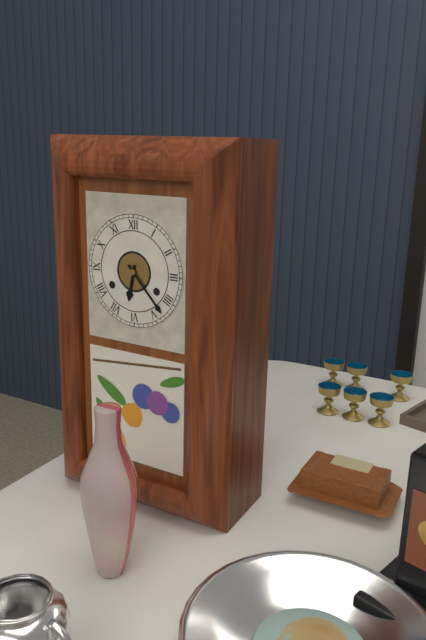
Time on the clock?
6:23
